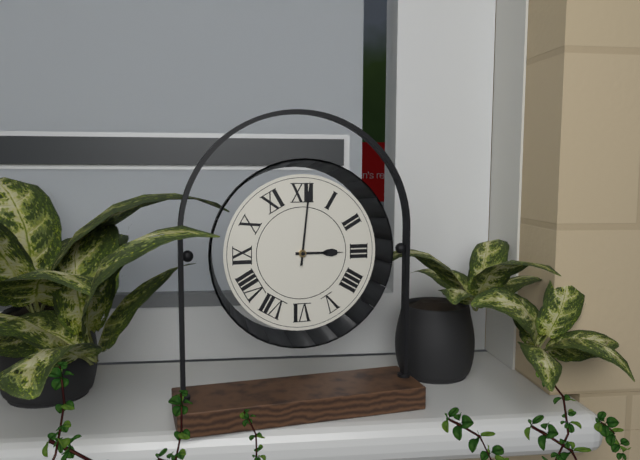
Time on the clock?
3:01
